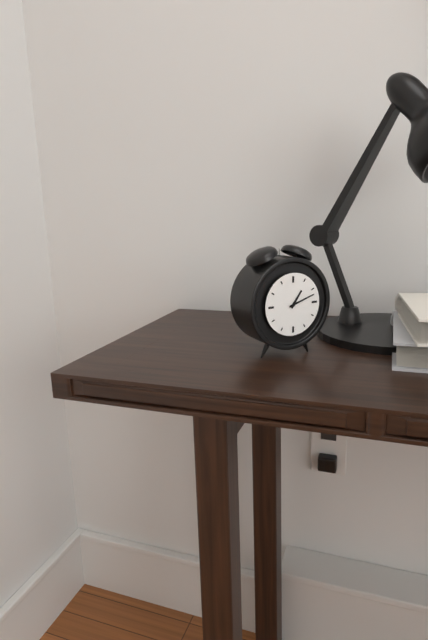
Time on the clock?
1:12
